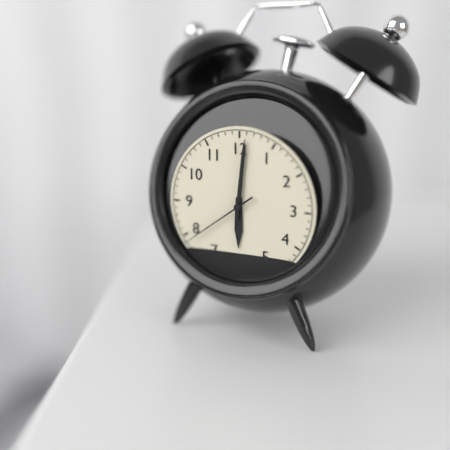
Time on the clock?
6:01:39
